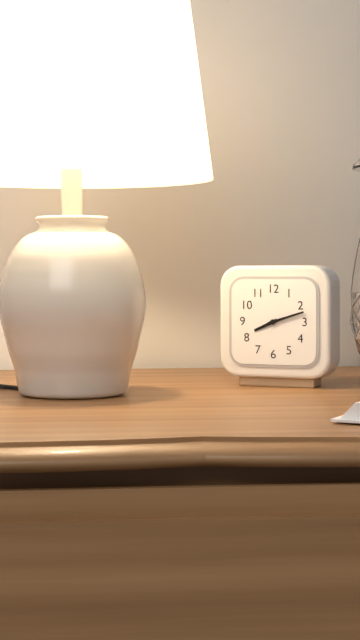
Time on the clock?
8:12
